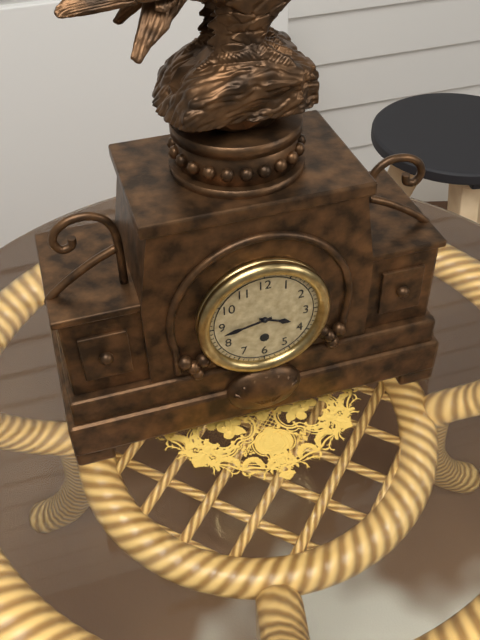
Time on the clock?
3:43
